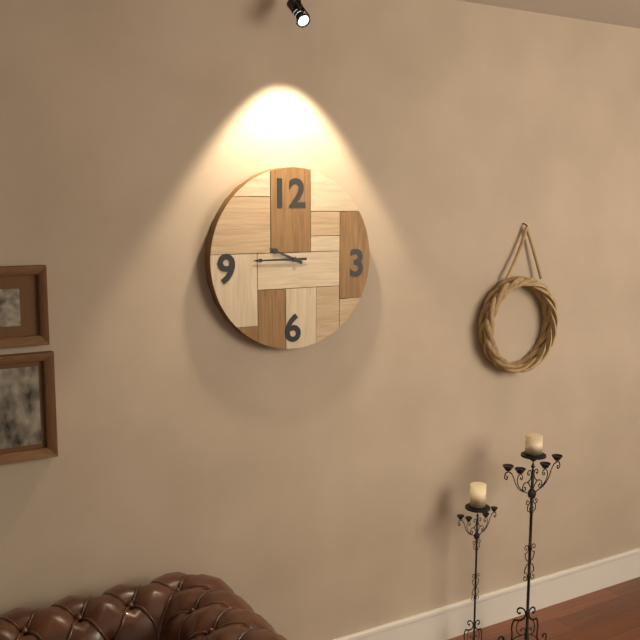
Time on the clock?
9:45
